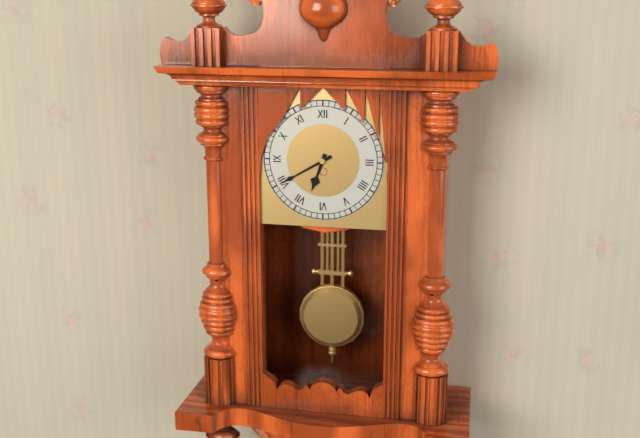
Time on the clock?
6:40
